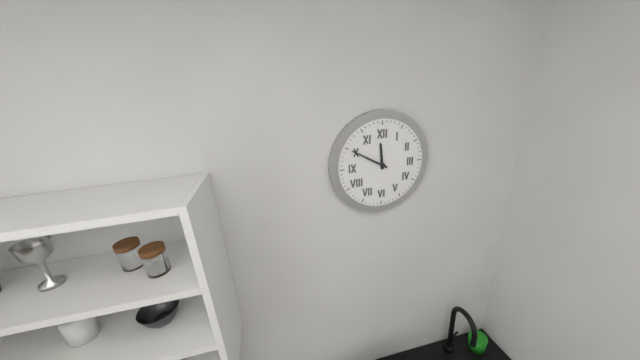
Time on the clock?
11:50
